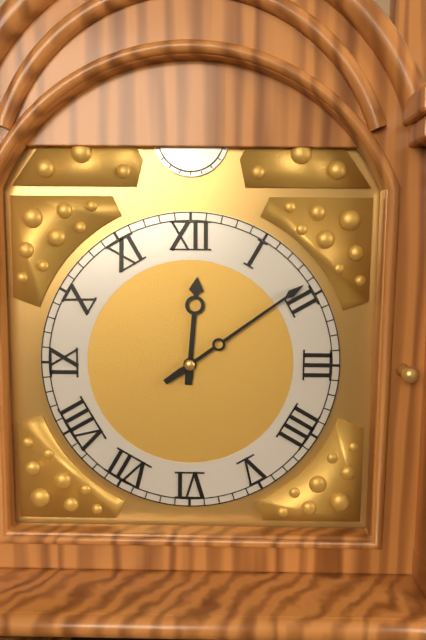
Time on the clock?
12:09
